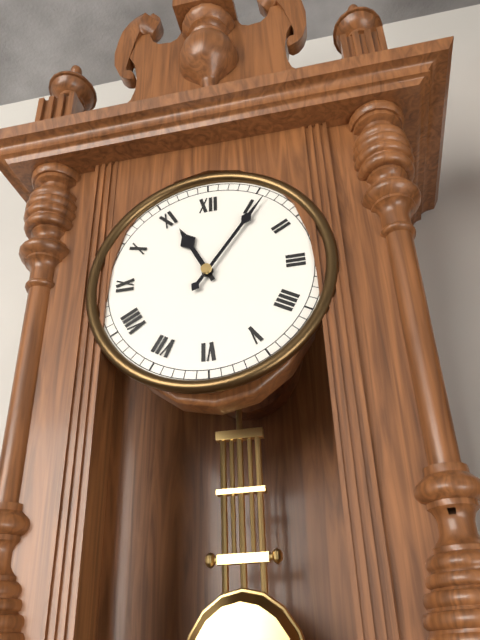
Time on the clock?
11:06
